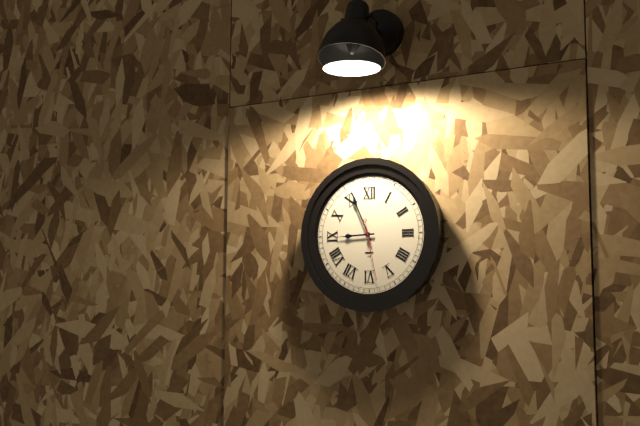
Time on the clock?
8:56:28
